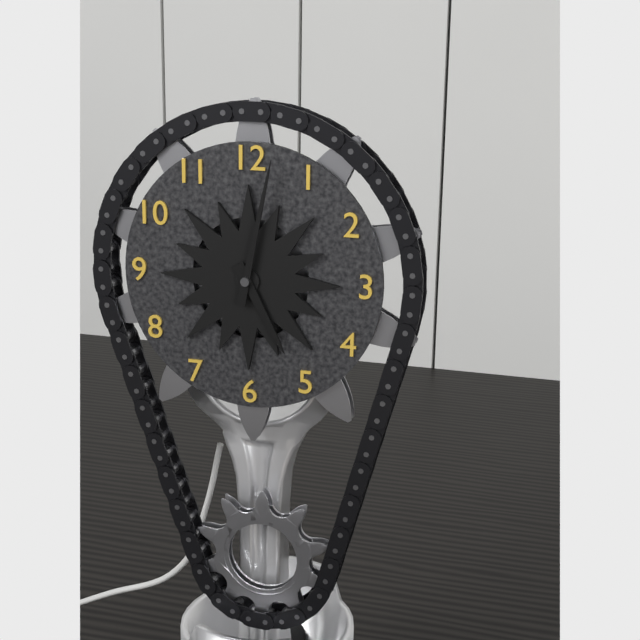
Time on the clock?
5:02
